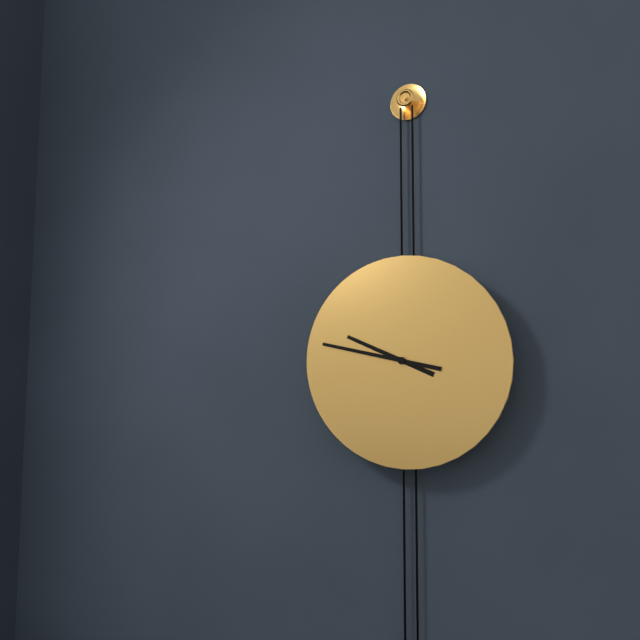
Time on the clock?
9:47
